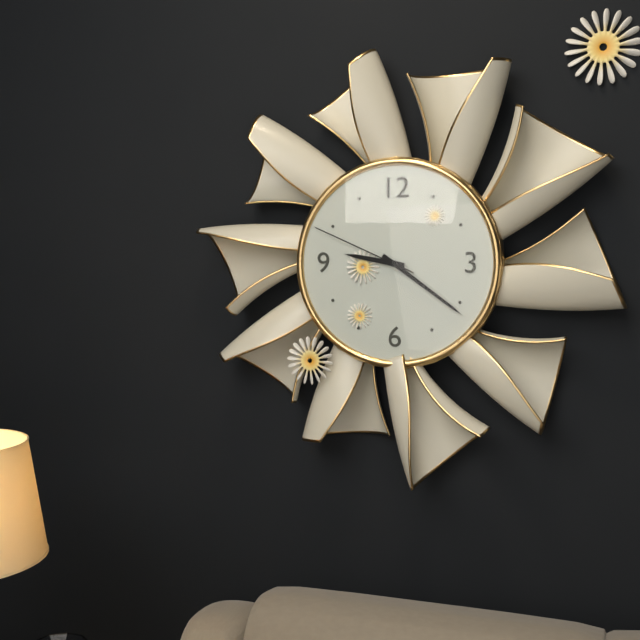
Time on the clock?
9:21:49
